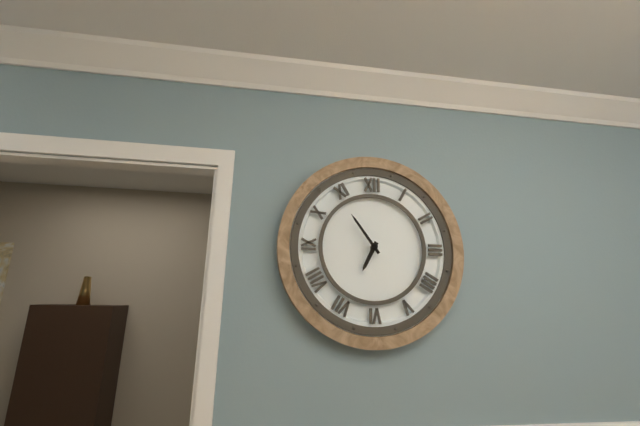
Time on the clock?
6:54
